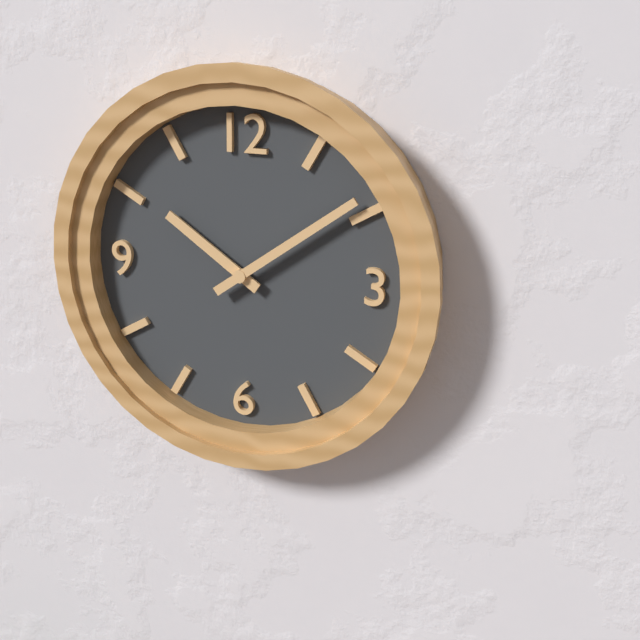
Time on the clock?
10:09
